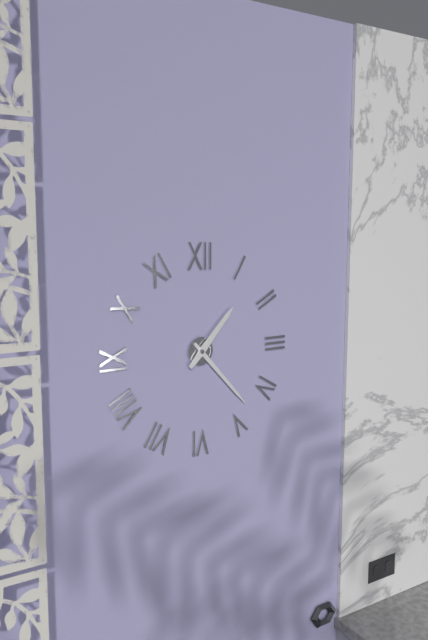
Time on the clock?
1:23
